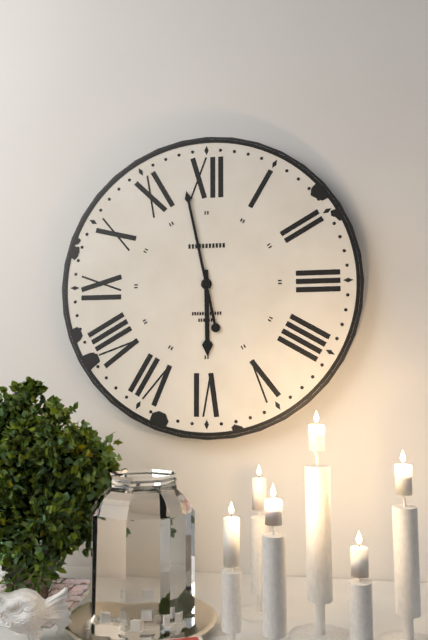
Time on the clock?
5:58
